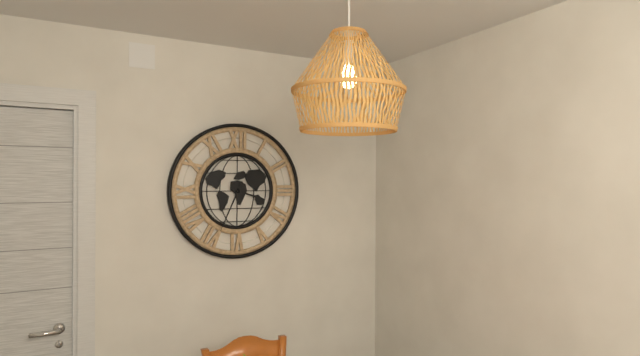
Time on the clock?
3:34
